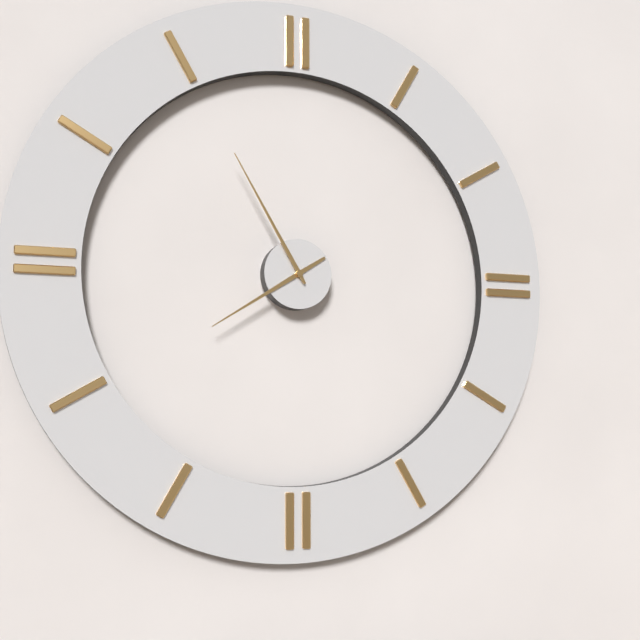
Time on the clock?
7:55
